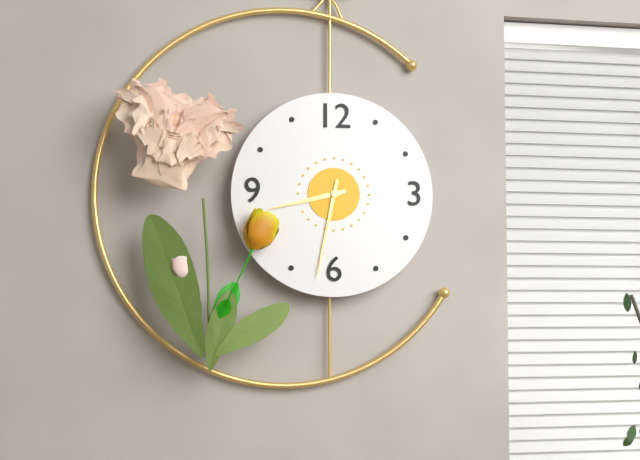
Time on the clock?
8:32
